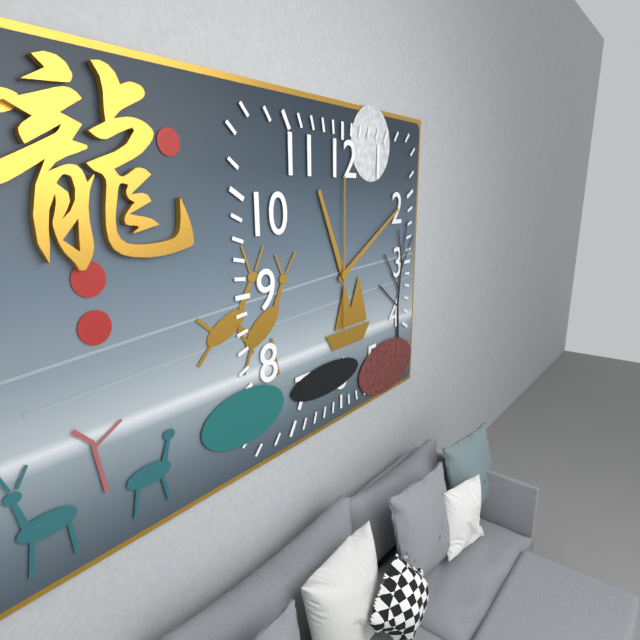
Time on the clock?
11:10:00
